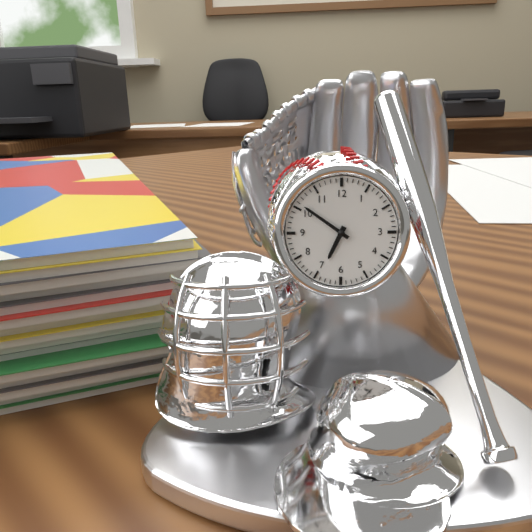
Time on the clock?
6:51
